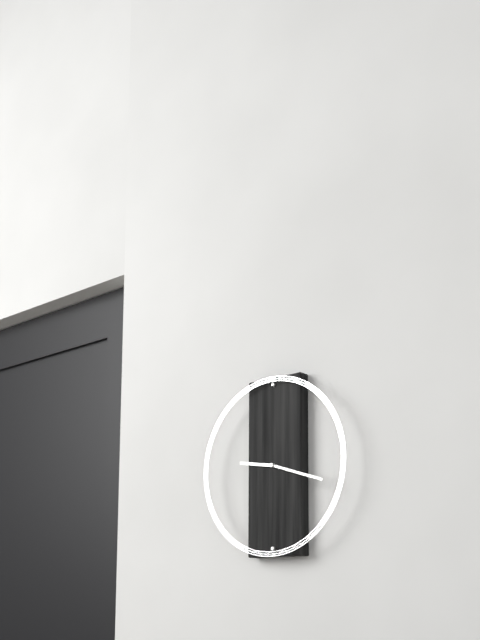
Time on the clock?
9:18
